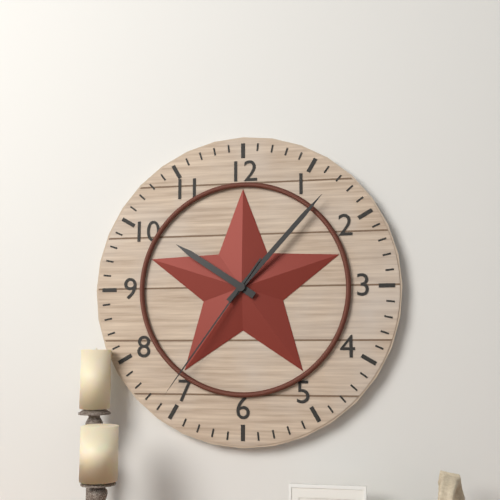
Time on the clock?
10:07:36
